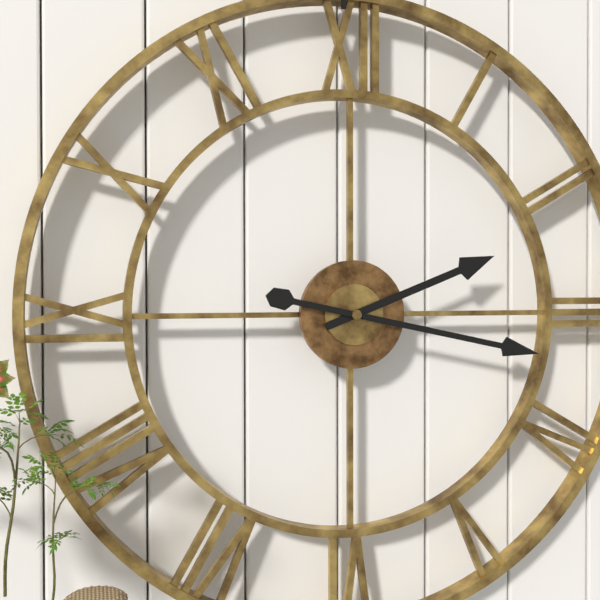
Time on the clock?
2:17
